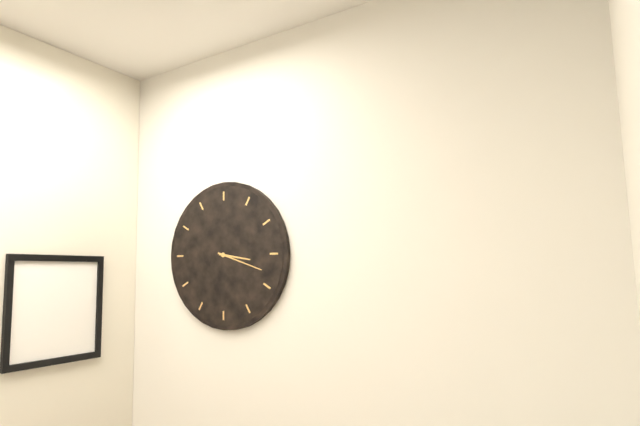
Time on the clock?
3:18
